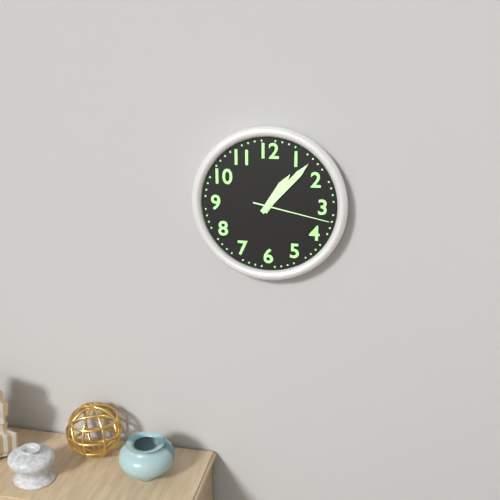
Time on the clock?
1:07:17
